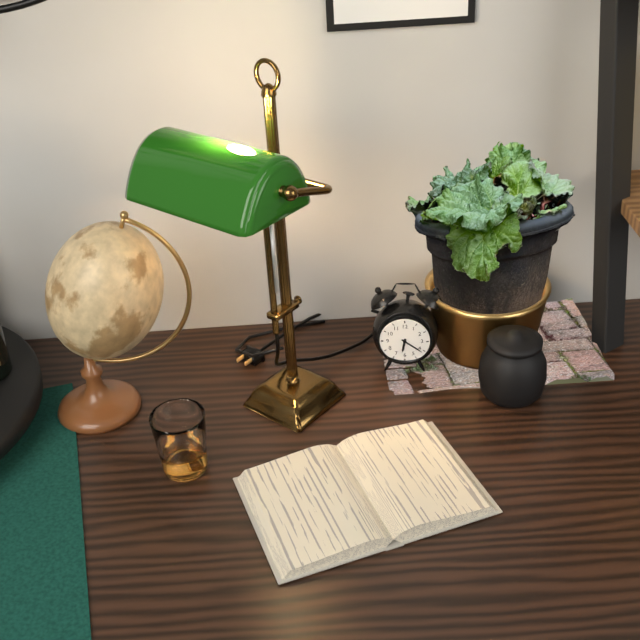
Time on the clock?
6:21
